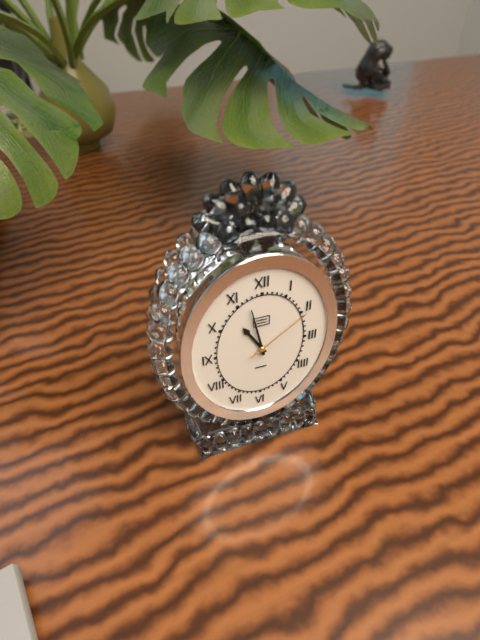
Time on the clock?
10:58:09
